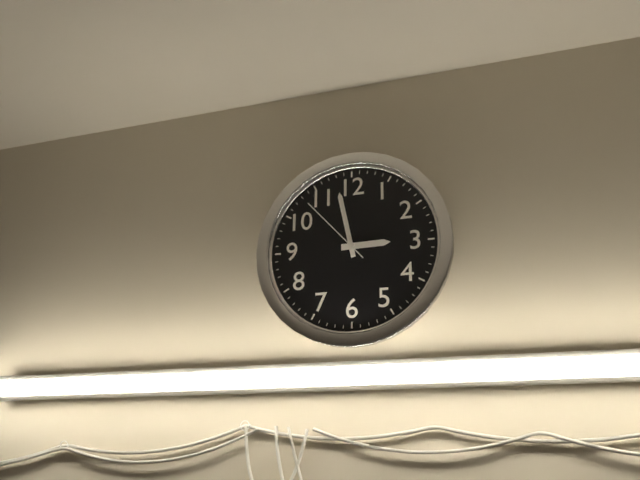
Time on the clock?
2:58:53
